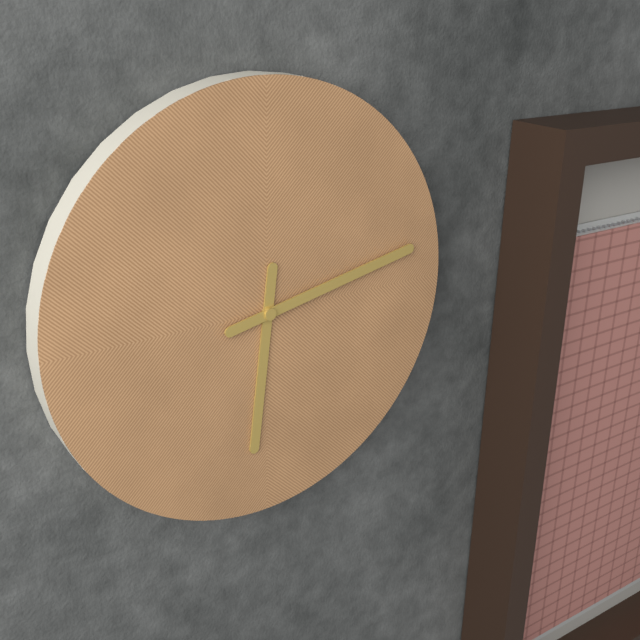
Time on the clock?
6:13
